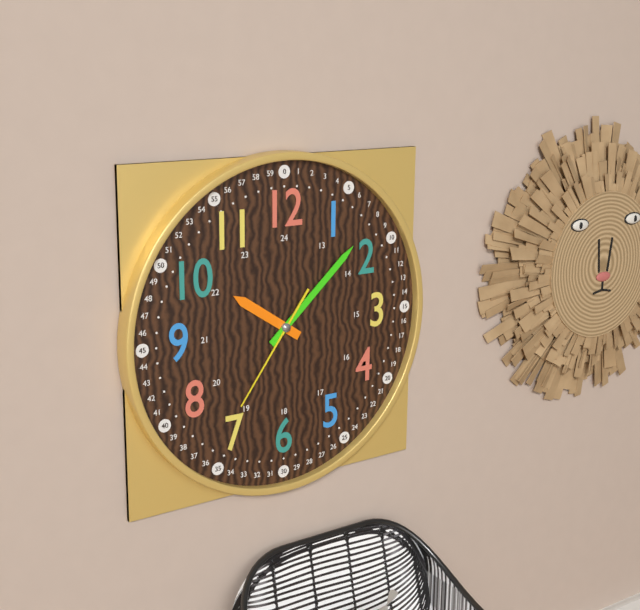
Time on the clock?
10:08:36
